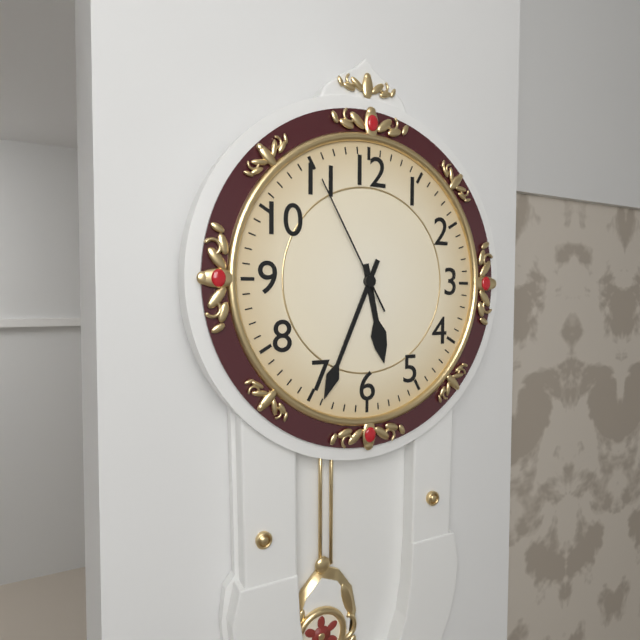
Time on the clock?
5:34:55
